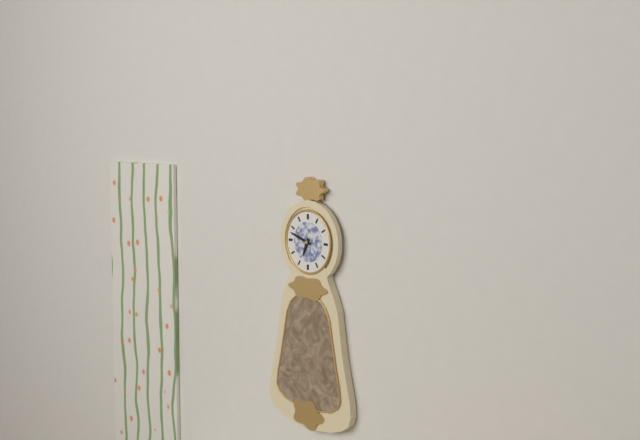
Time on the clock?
6:48
